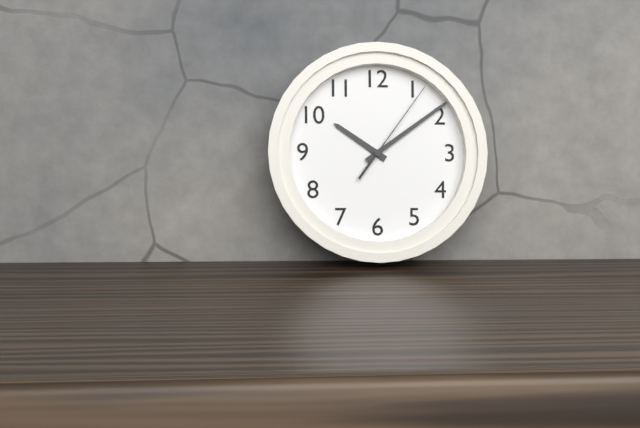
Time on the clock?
10:09:06
